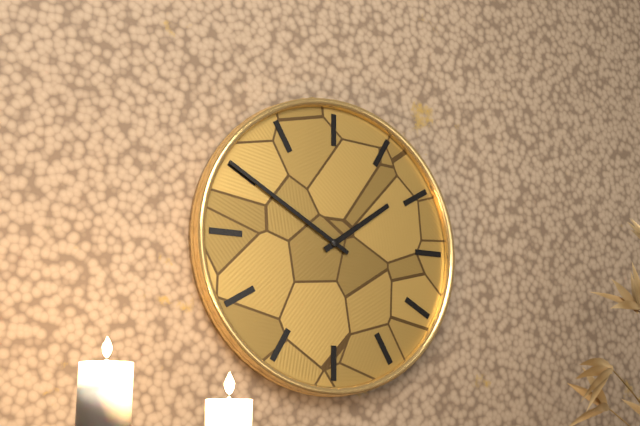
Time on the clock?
1:50
